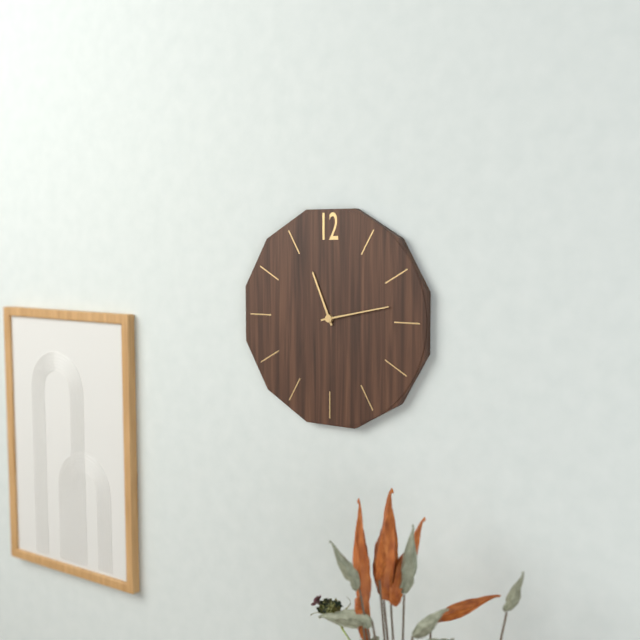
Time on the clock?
11:13
